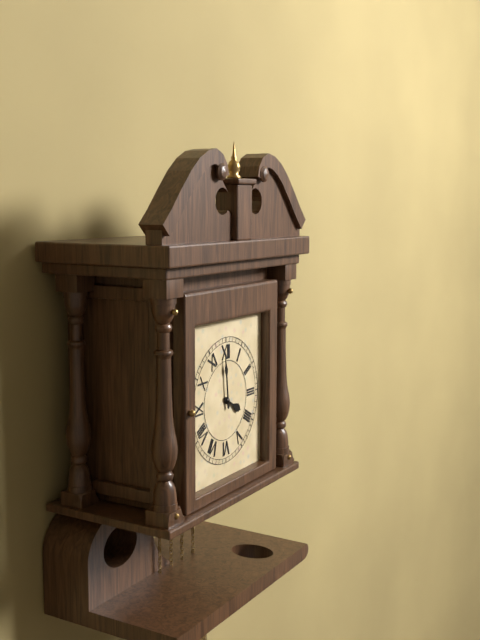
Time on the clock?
3:59
